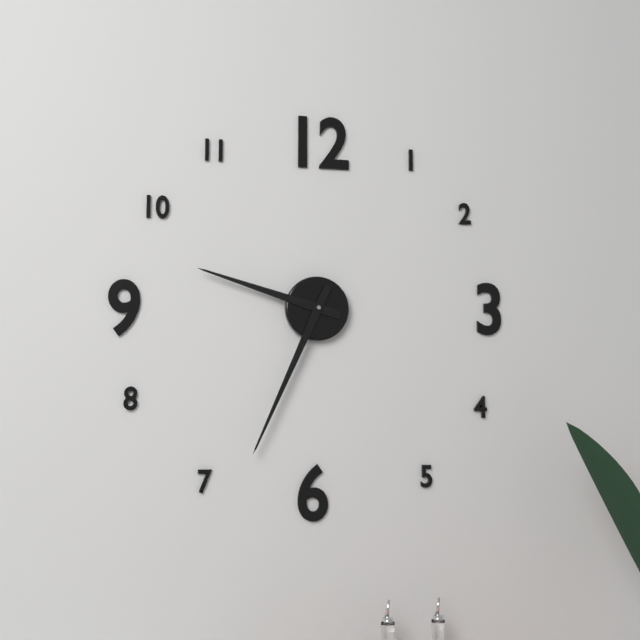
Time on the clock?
9:34
